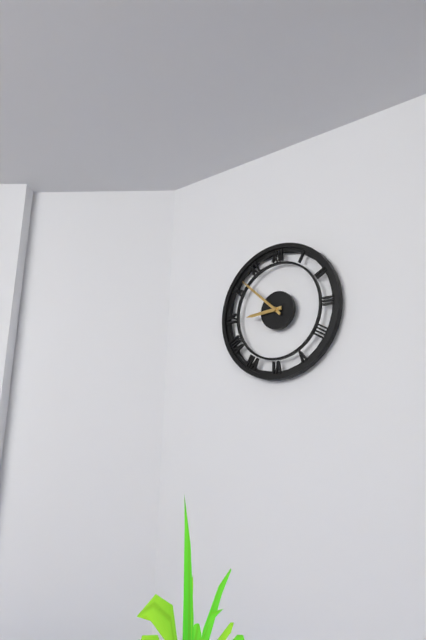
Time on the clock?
8:52
